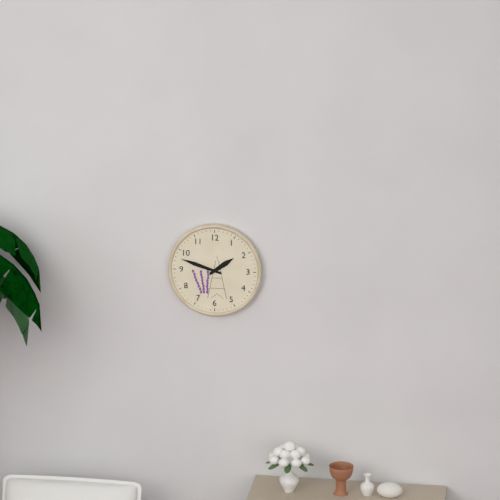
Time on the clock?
1:48
